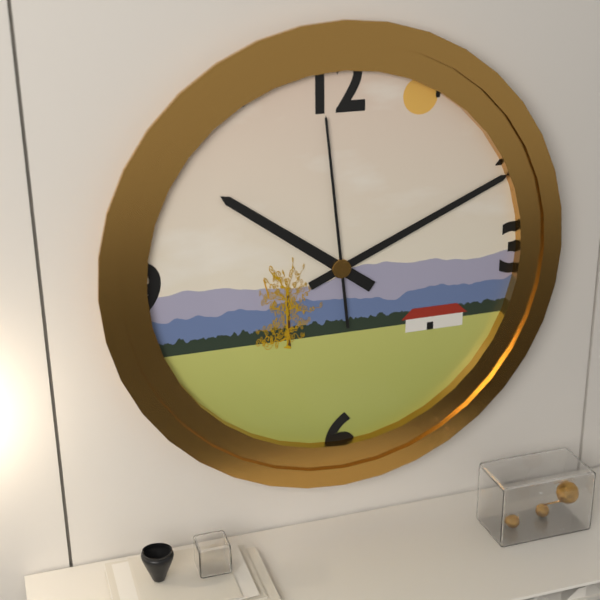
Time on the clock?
10:11:59
